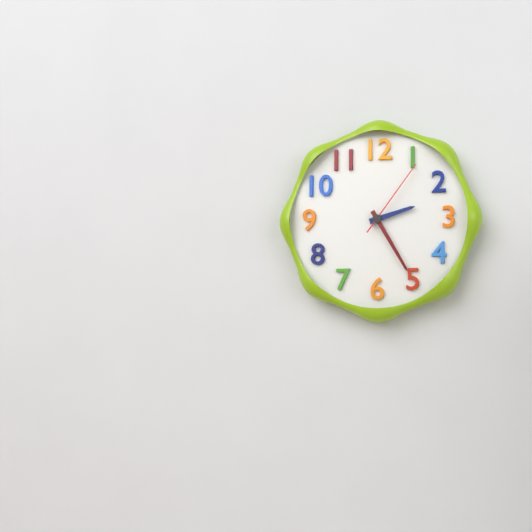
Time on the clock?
2:25:06
